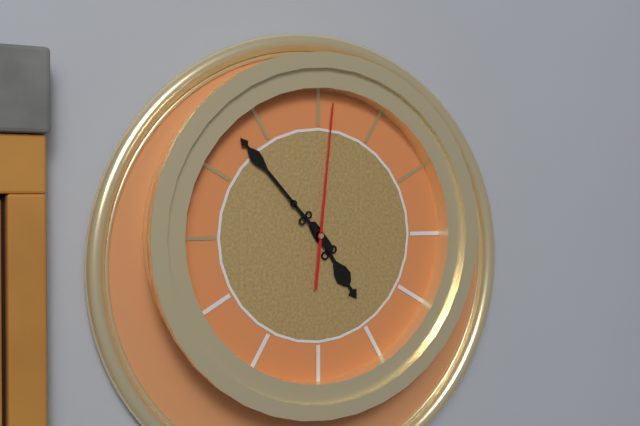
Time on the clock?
4:53:01
